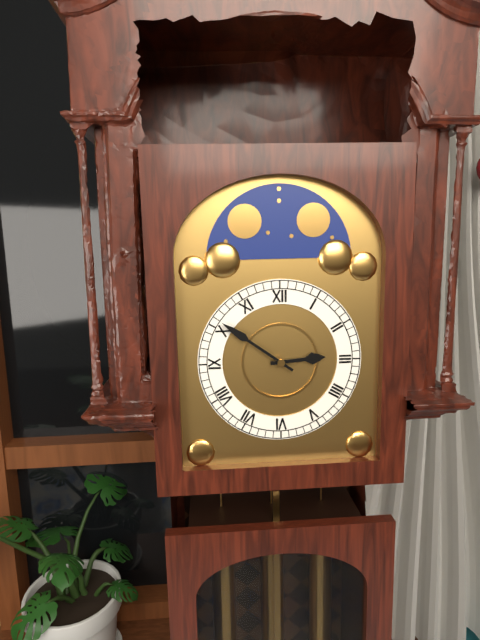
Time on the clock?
2:51
